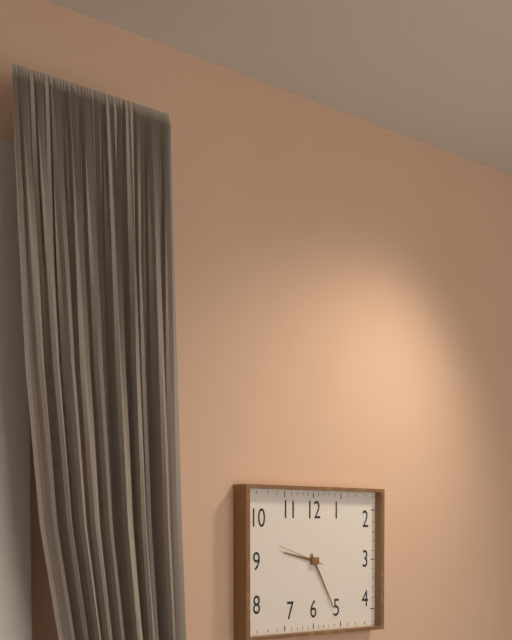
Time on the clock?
9:25
